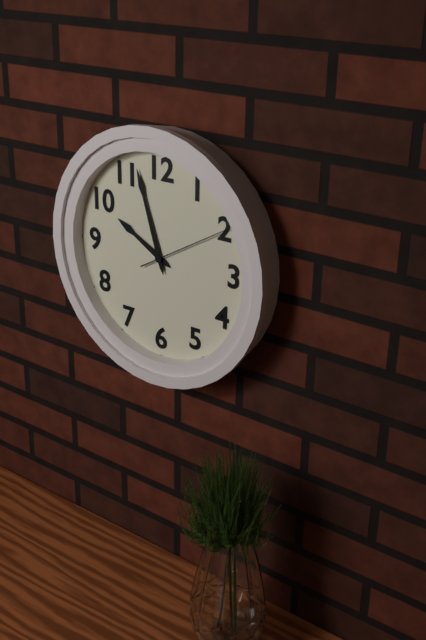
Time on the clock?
9:57:10
